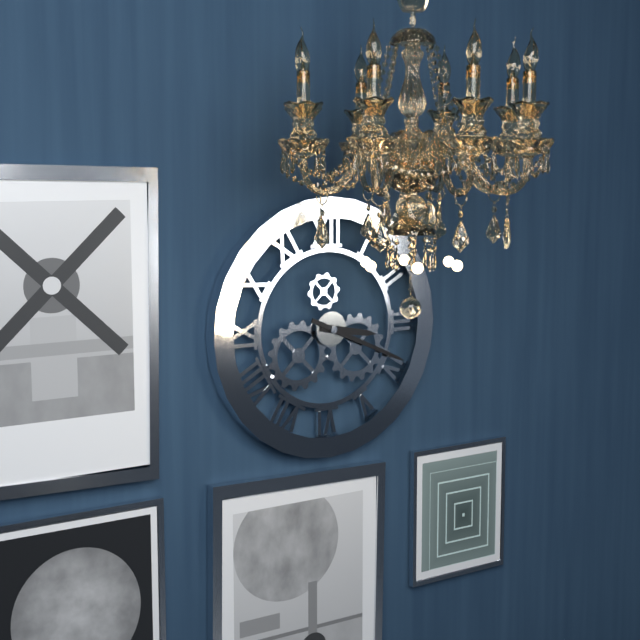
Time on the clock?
3:19
